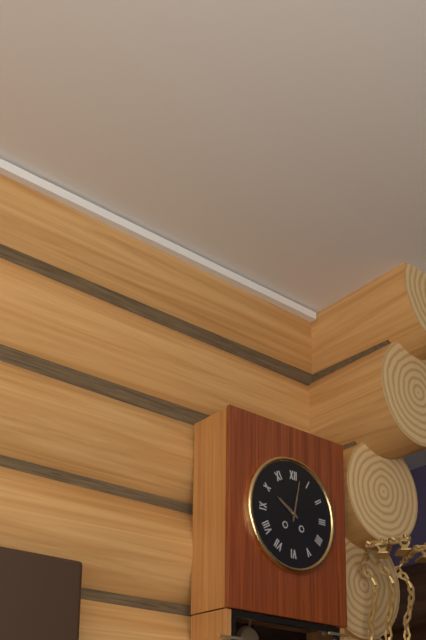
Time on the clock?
10:02
